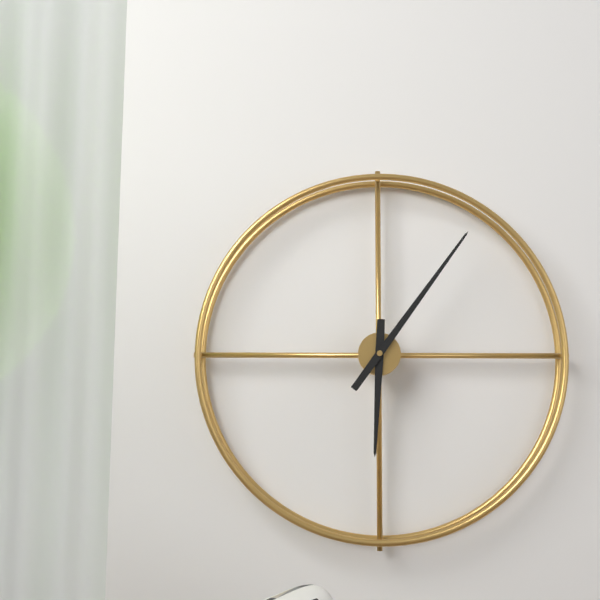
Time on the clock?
6:06
